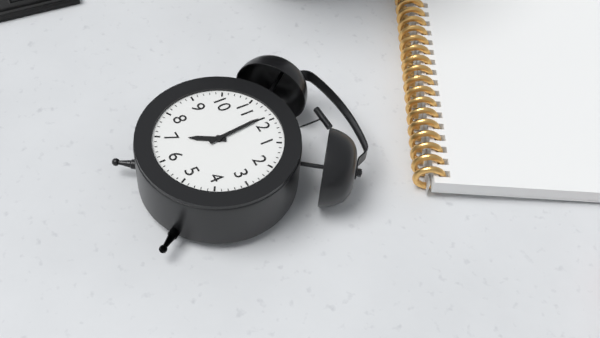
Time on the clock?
6:59
